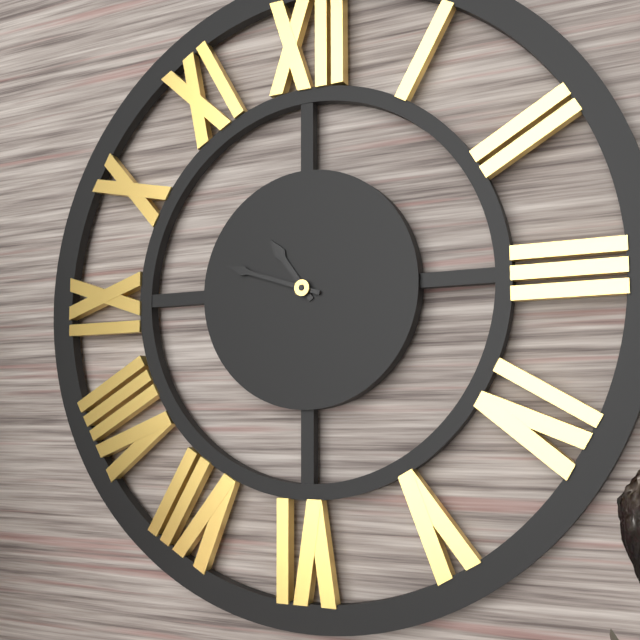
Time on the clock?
10:48
